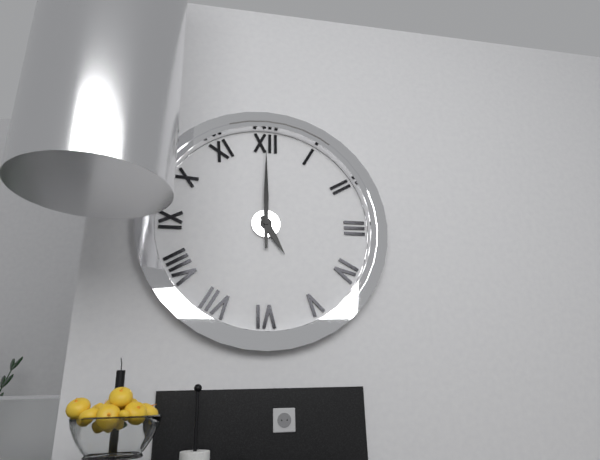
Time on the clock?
5:00
